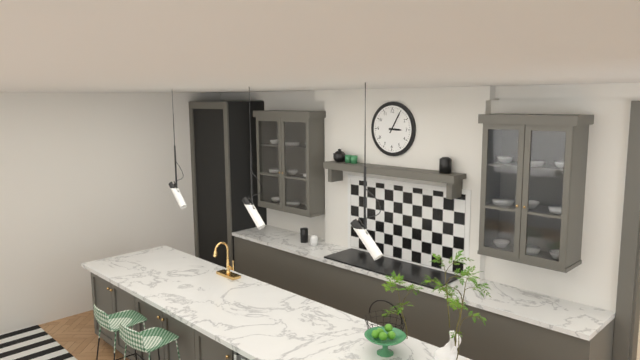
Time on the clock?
3:05
